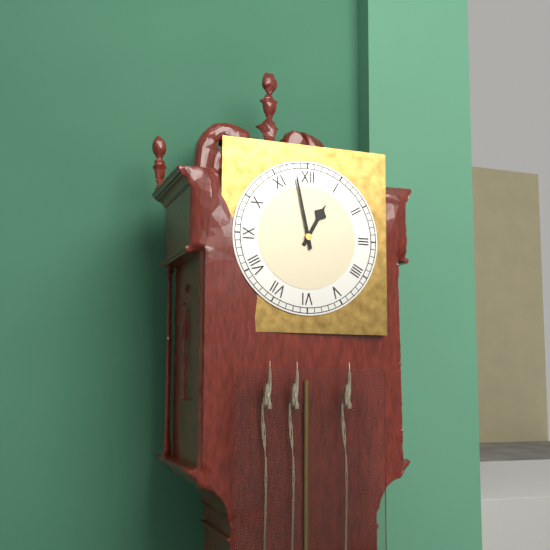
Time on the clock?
12:58
